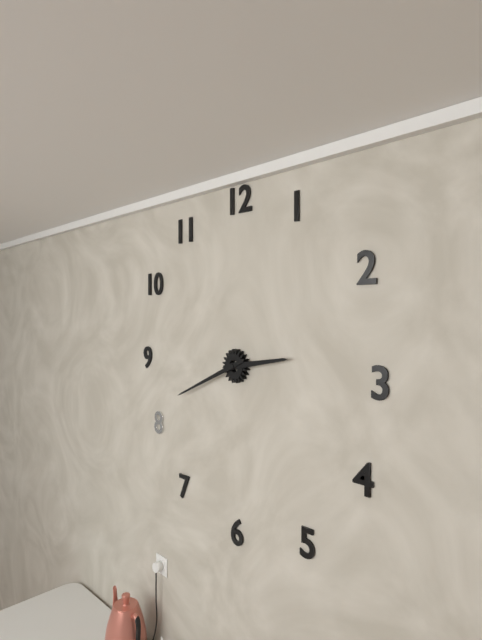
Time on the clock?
2:41
